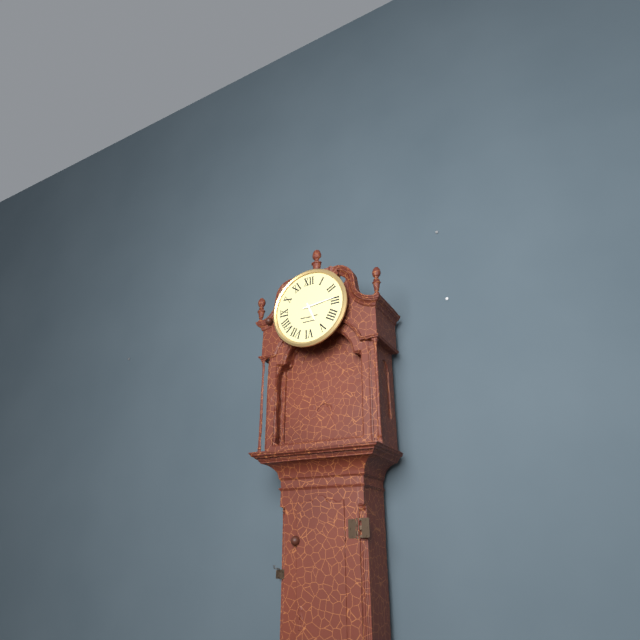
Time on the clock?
5:14
